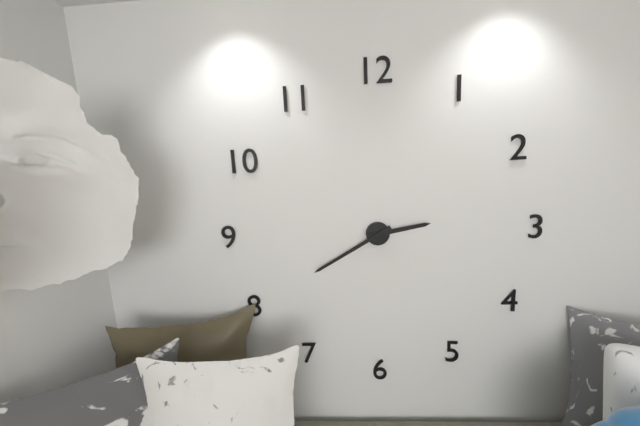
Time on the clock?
2:40
